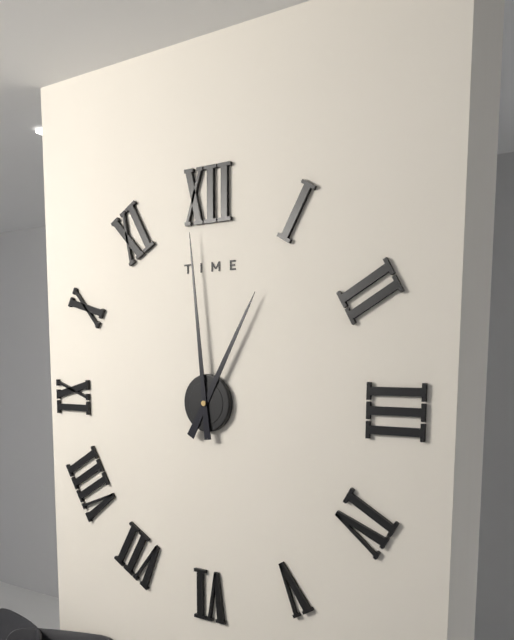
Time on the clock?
12:59
